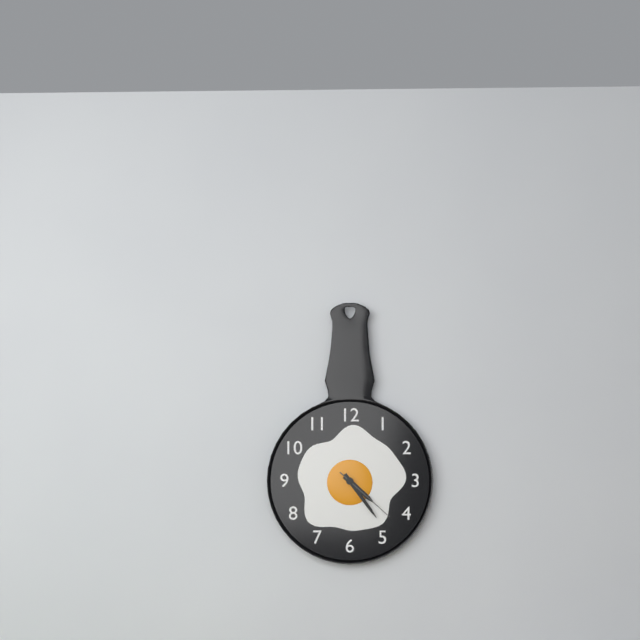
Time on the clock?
4:24:22
